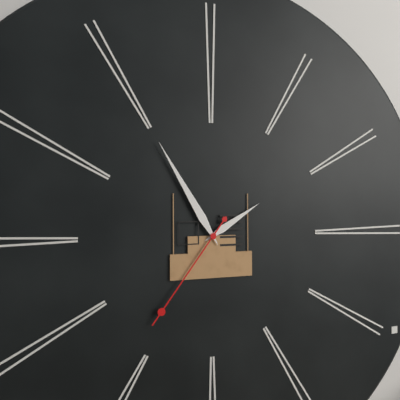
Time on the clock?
1:55:36
